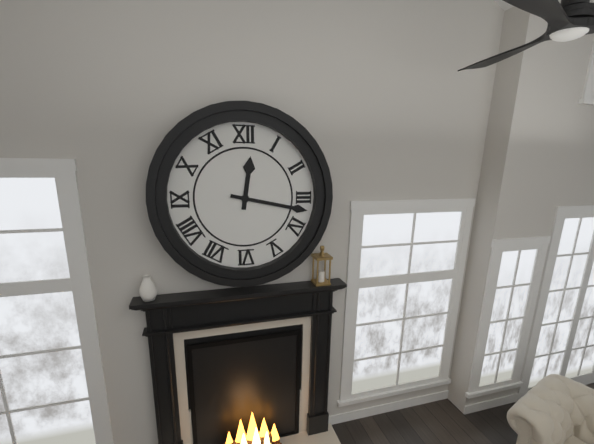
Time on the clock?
12:17
